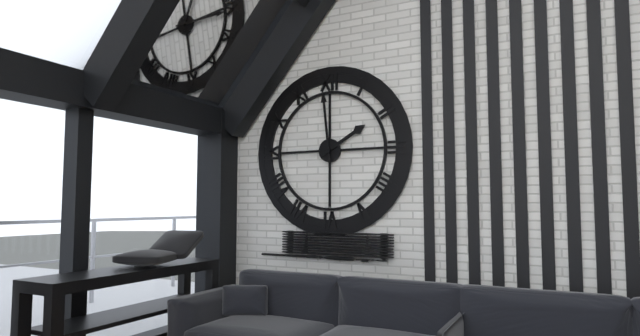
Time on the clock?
1:59
